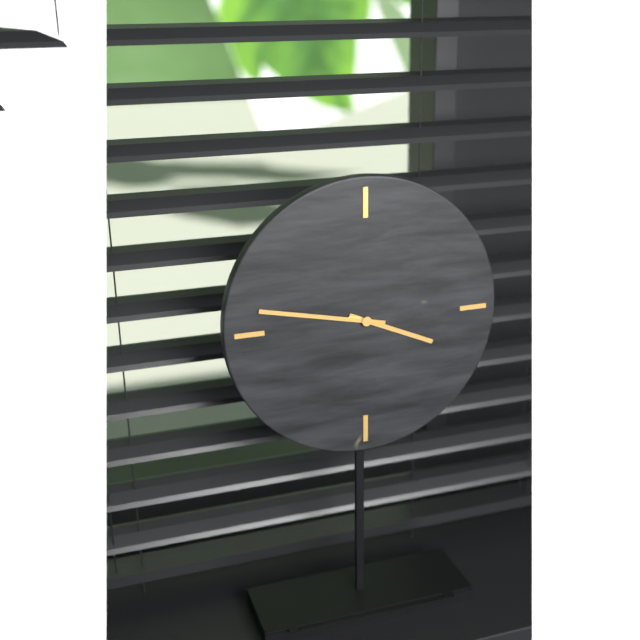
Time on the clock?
3:47
